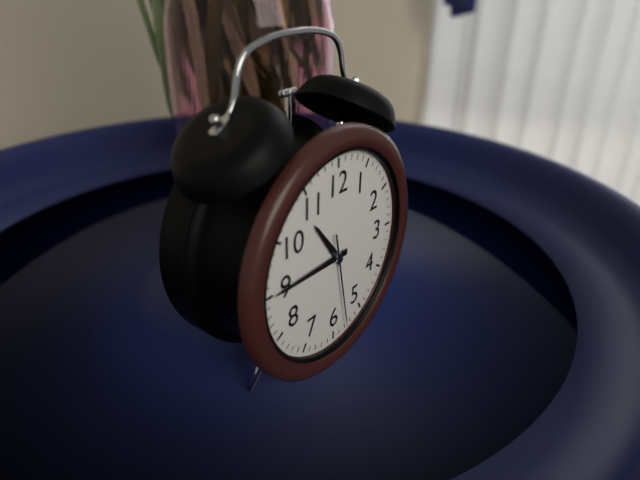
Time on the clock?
10:45:28
